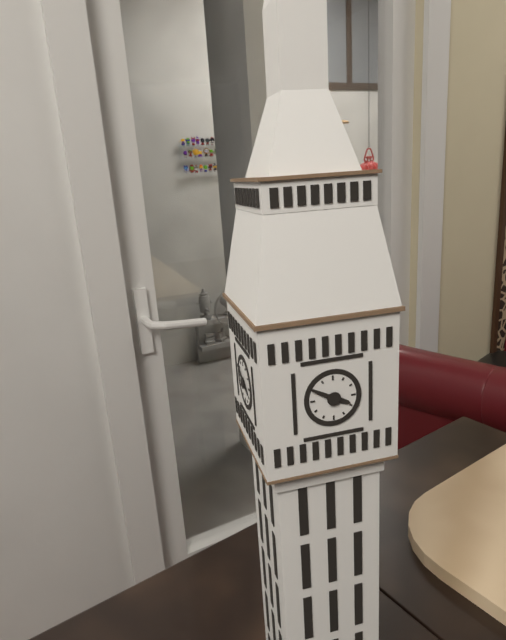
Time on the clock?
3:50
